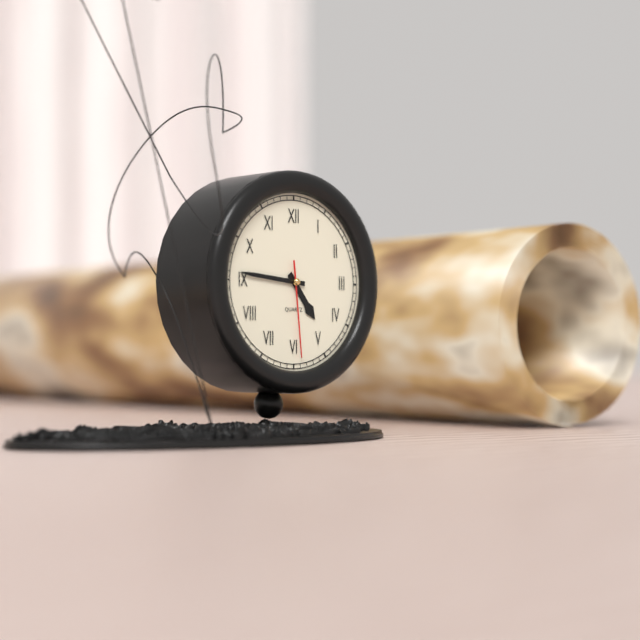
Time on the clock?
4:46:29
